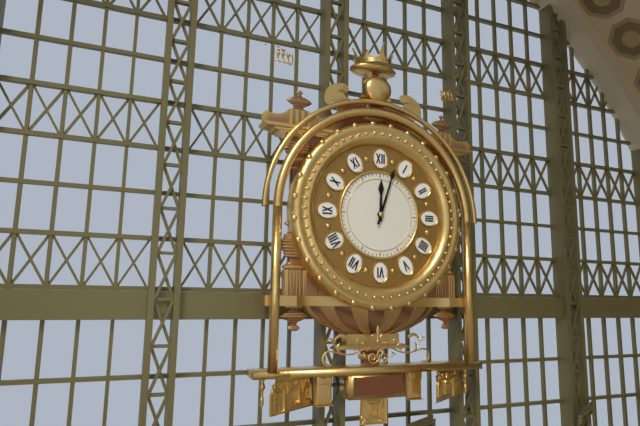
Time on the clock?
12:03
